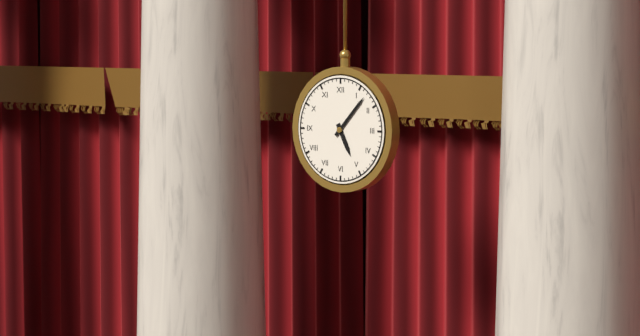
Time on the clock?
5:07
